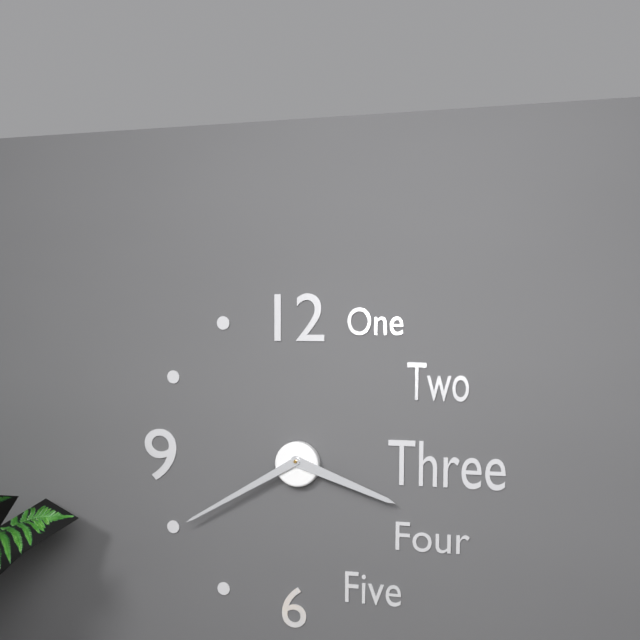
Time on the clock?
3:40
